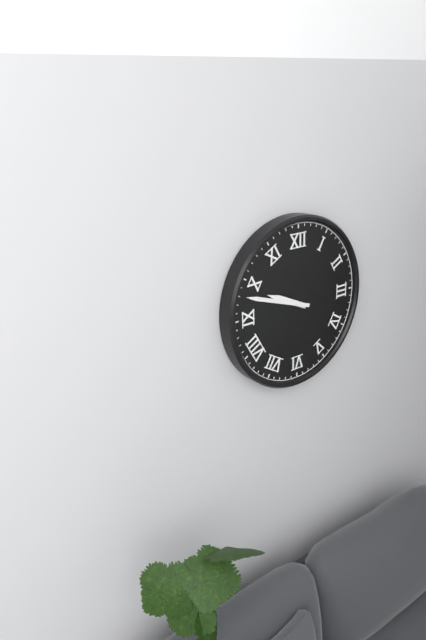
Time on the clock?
9:48
